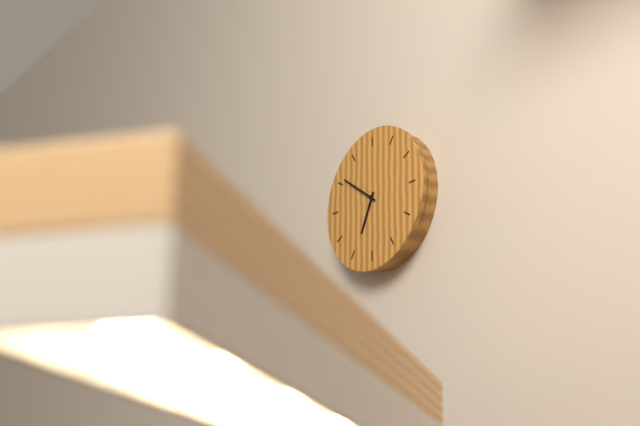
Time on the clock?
6:51
